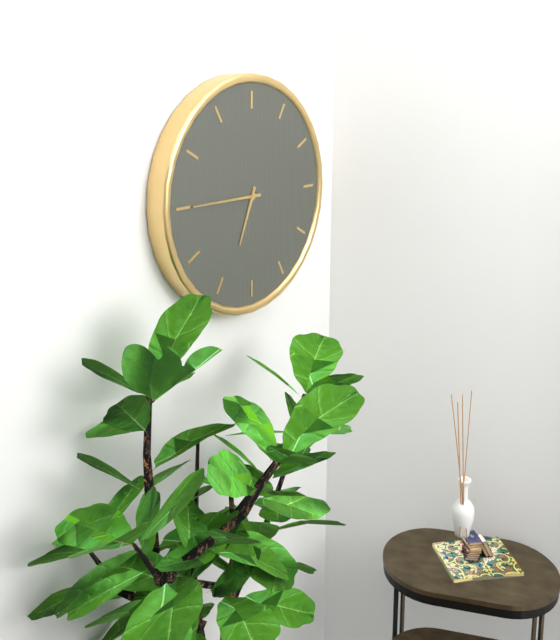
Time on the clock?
6:45
